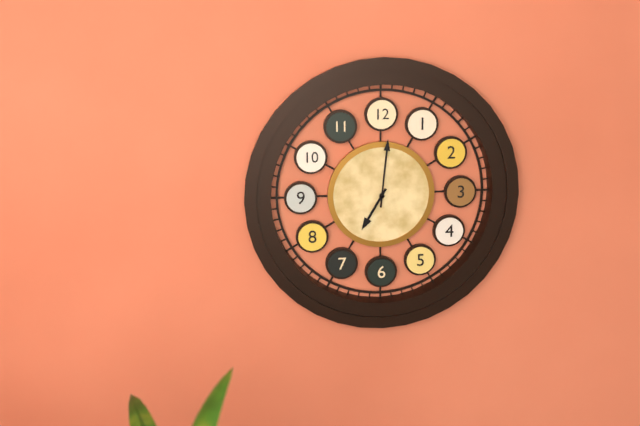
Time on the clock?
7:01
